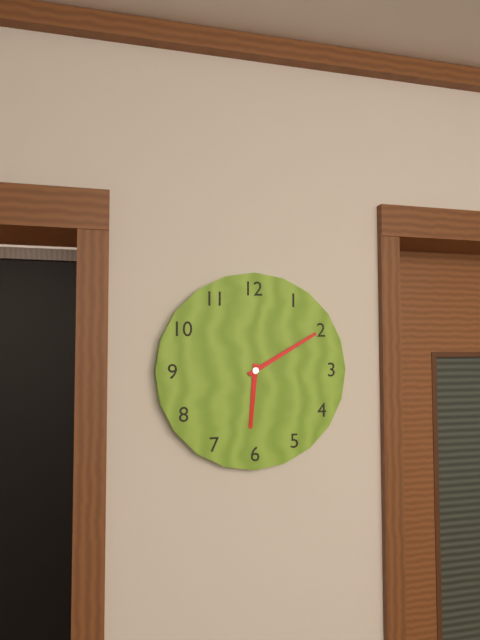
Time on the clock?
6:10
